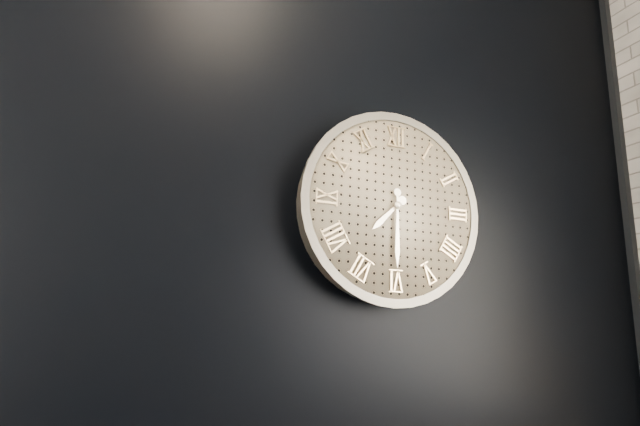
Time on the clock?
7:30
